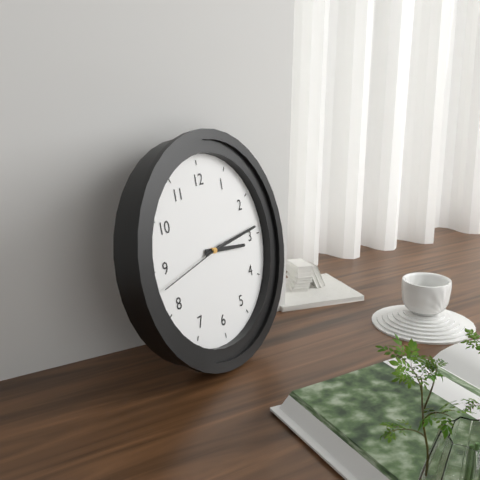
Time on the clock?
3:14:43
